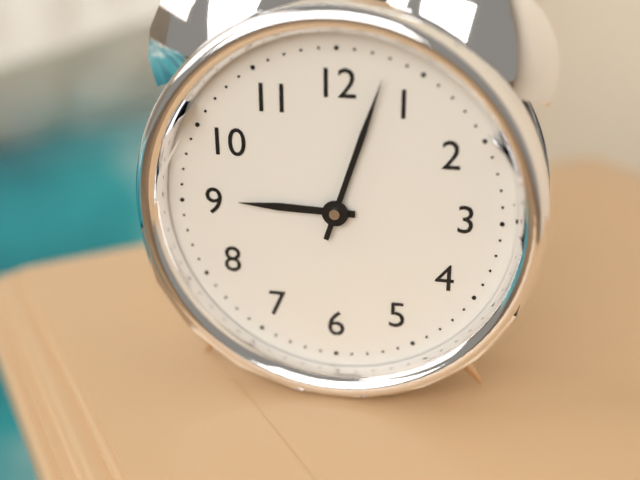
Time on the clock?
9:03
